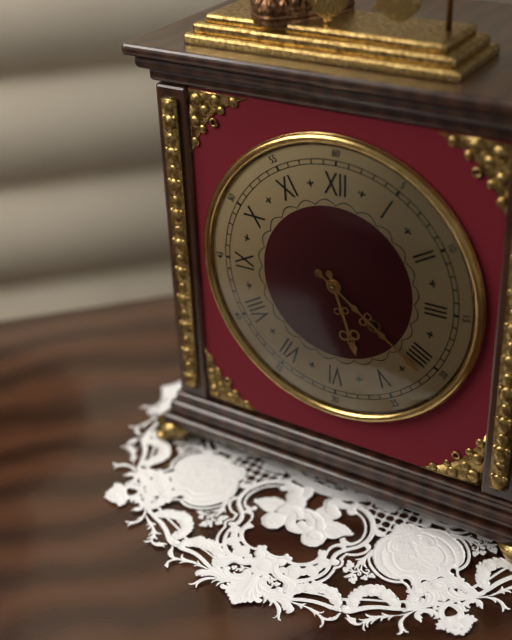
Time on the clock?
5:21
